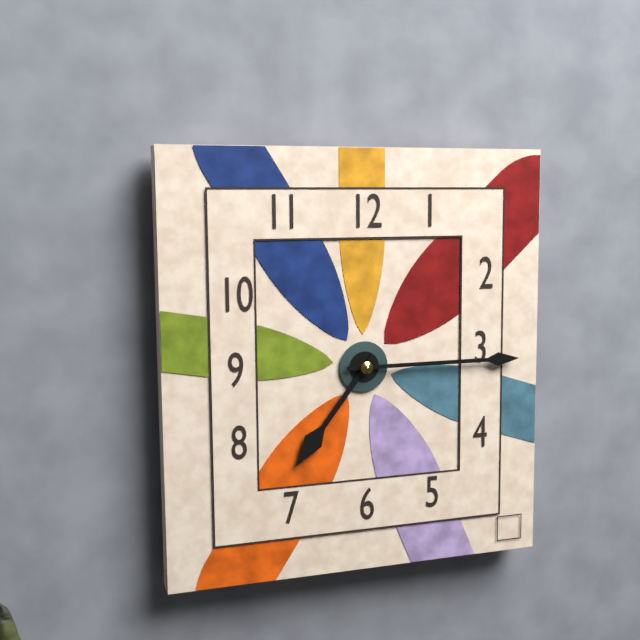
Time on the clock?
7:15
